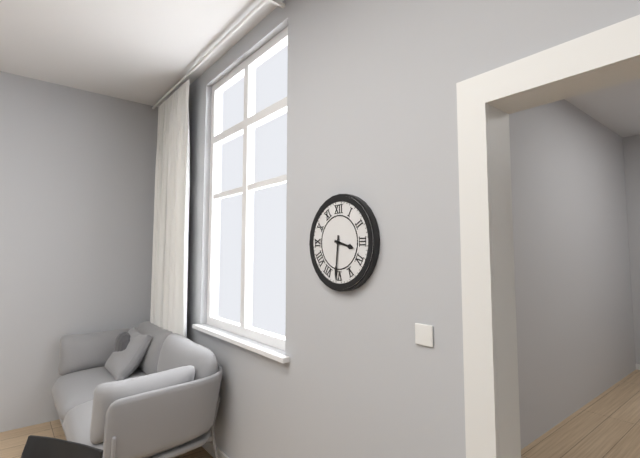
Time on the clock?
3:31
